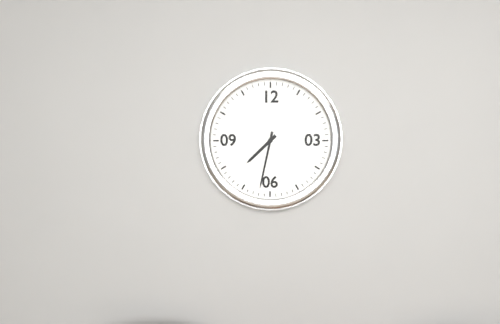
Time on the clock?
7:32
